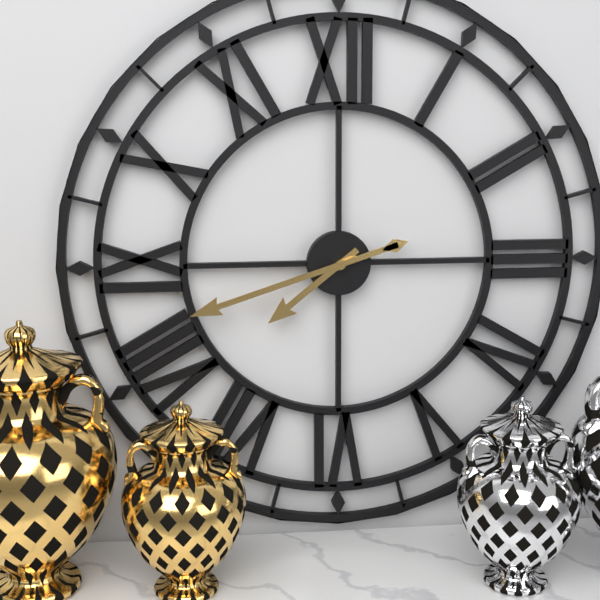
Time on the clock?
7:42
